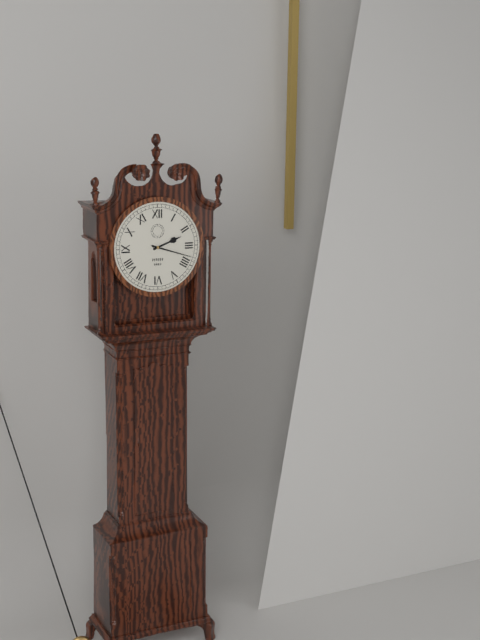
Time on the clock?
2:18
